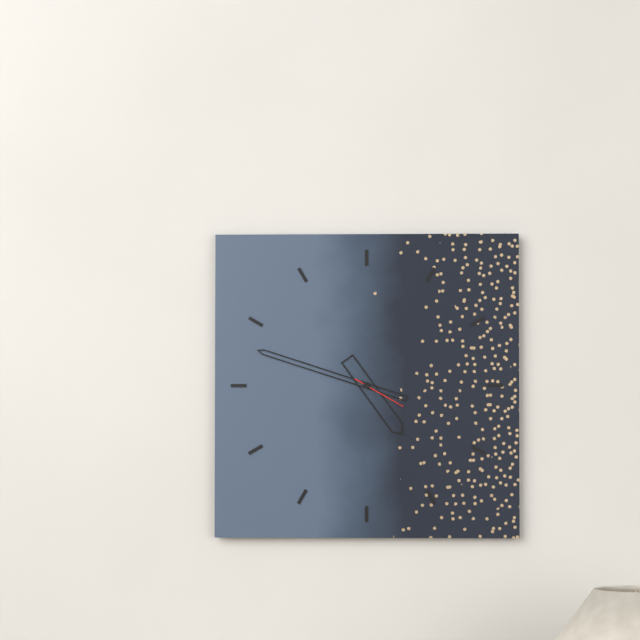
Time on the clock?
4:48:20
